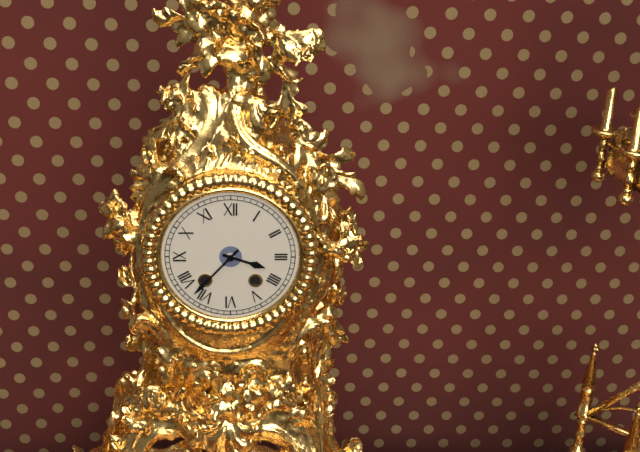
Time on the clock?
3:37
